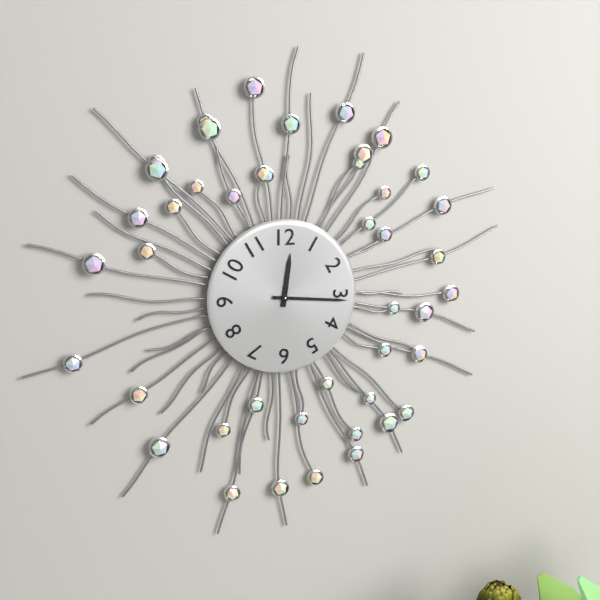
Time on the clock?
12:16
